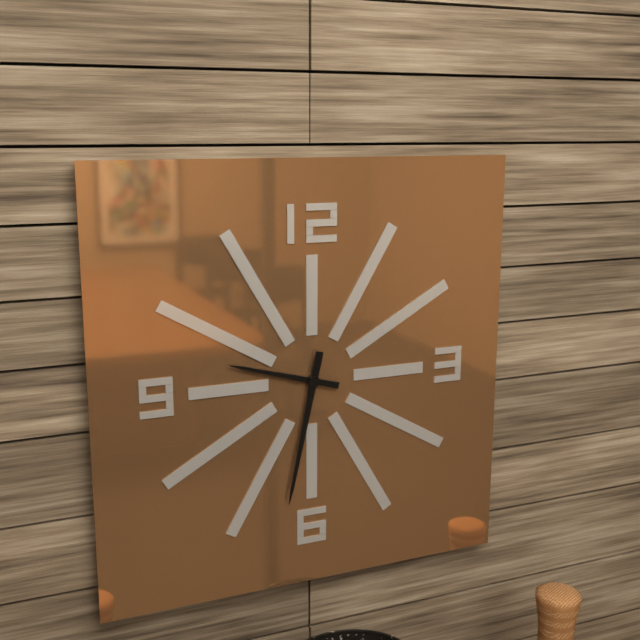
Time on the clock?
9:32
